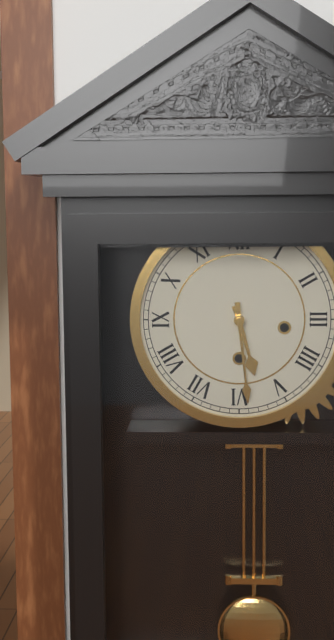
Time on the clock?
5:29
